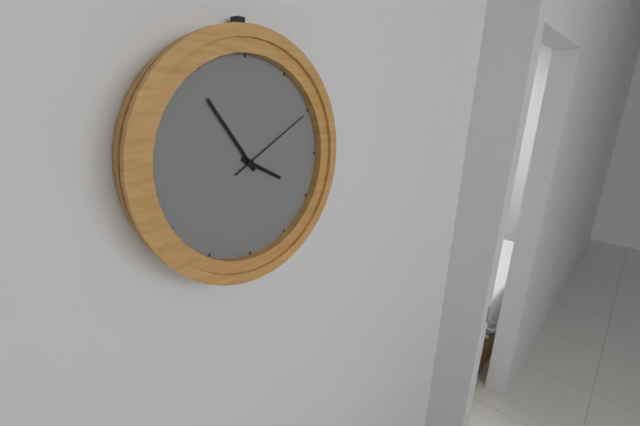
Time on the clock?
3:54:10
